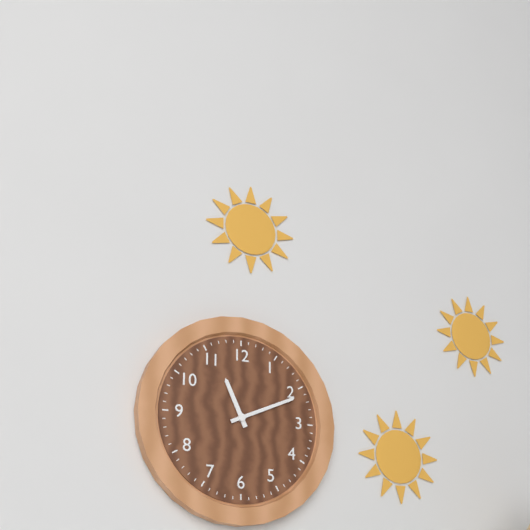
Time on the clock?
11:11
